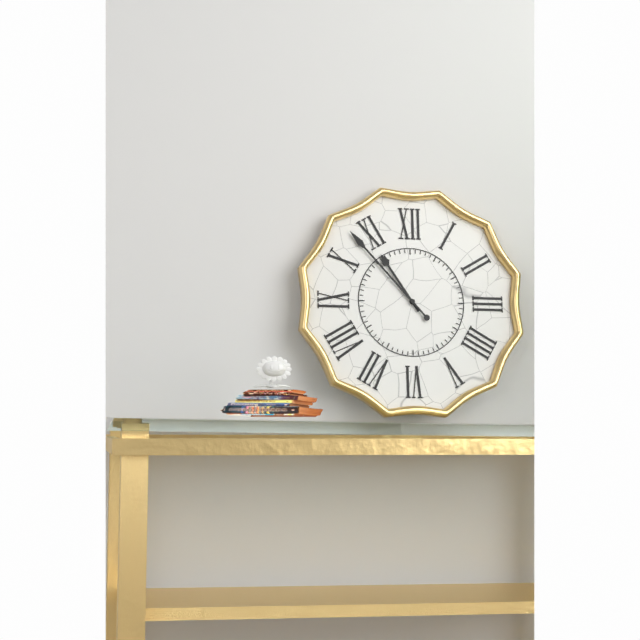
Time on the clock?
10:53
